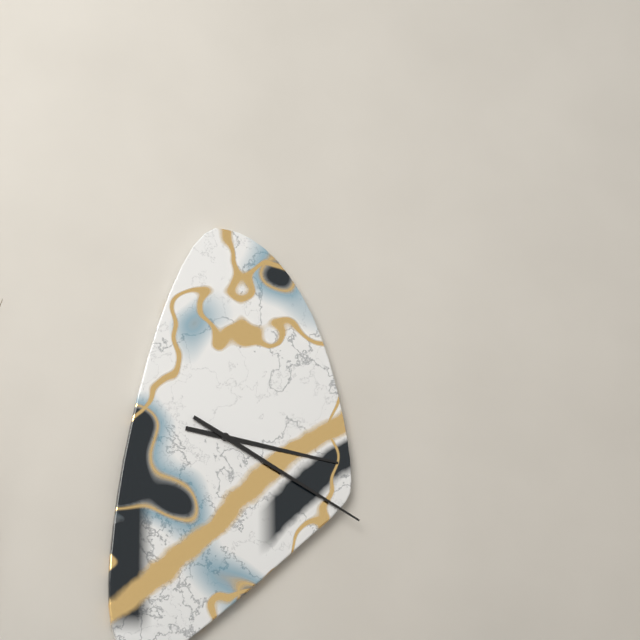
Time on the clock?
3:20
